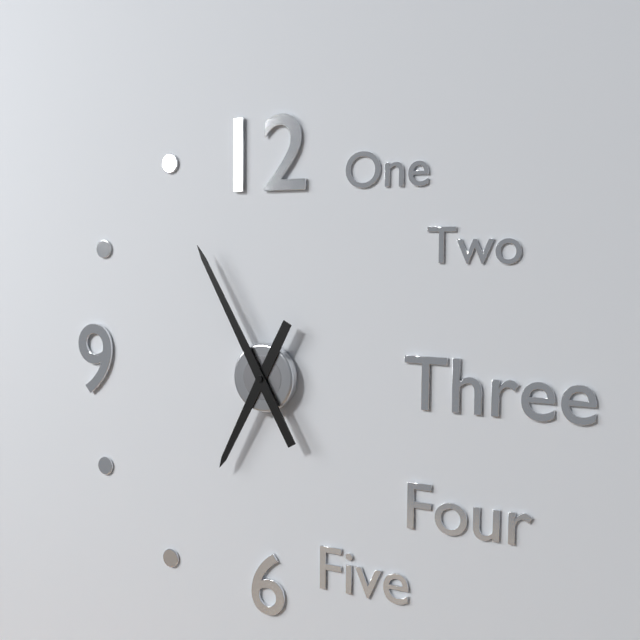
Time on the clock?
6:55
